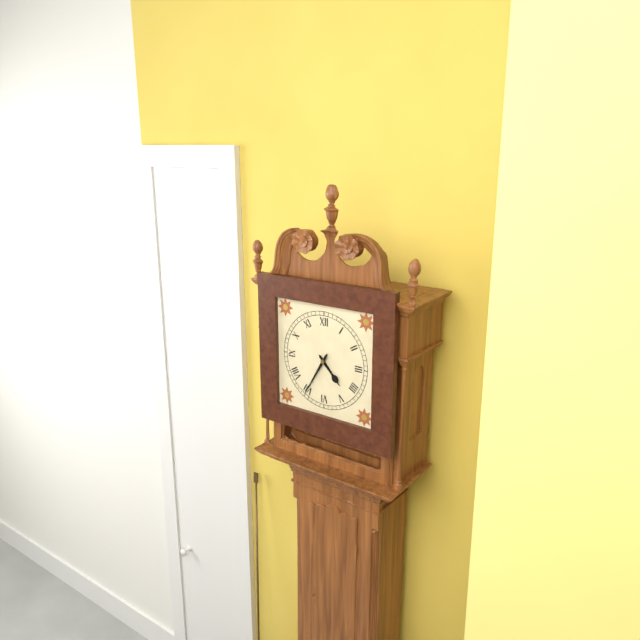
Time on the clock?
4:35
